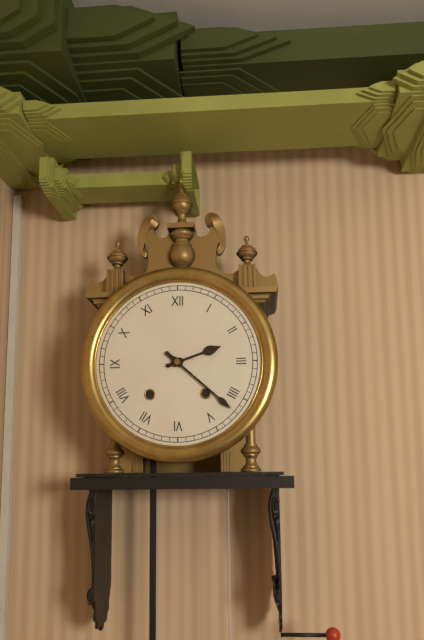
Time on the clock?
2:22
